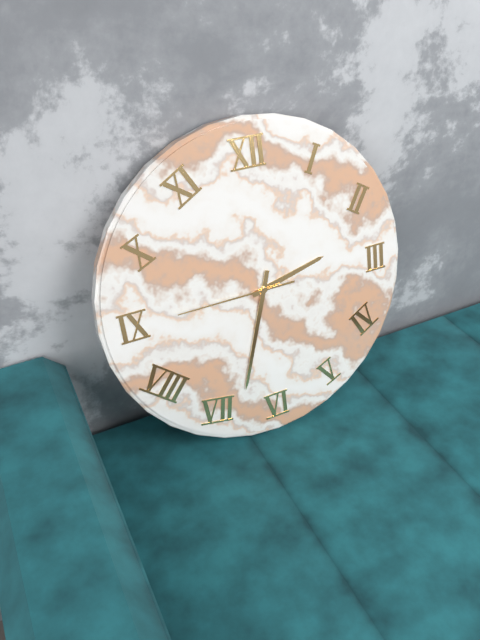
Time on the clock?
2:33:45
